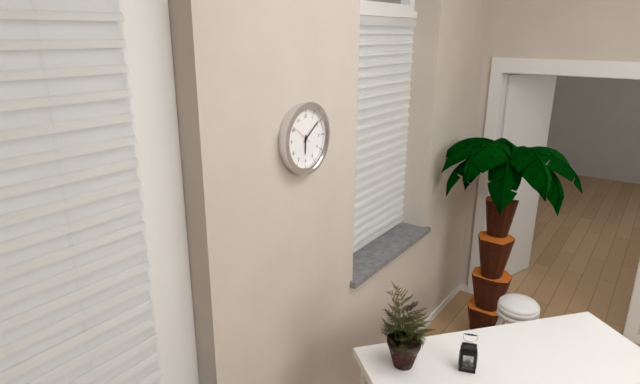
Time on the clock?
6:09
